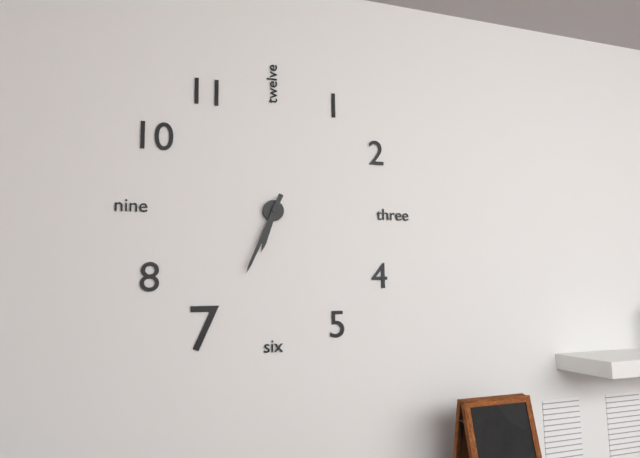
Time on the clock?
6:34
